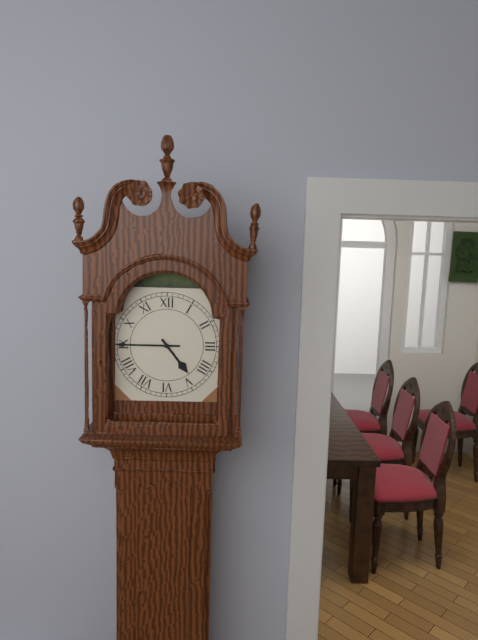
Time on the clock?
4:45
